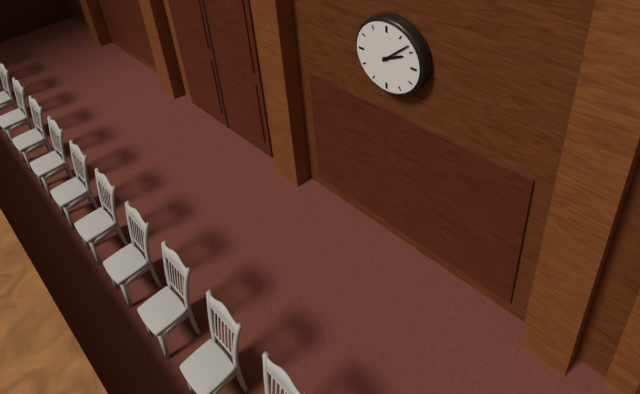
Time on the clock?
2:08
